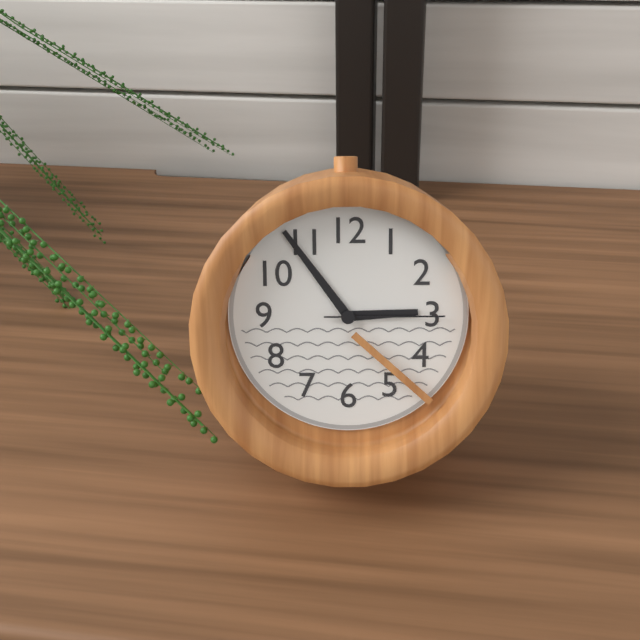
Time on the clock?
2:54:15
